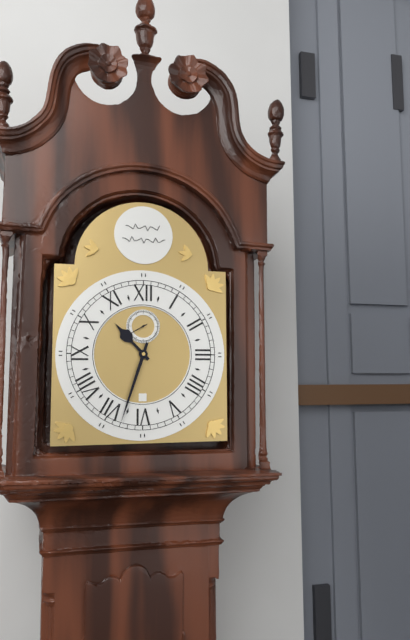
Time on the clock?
10:33
